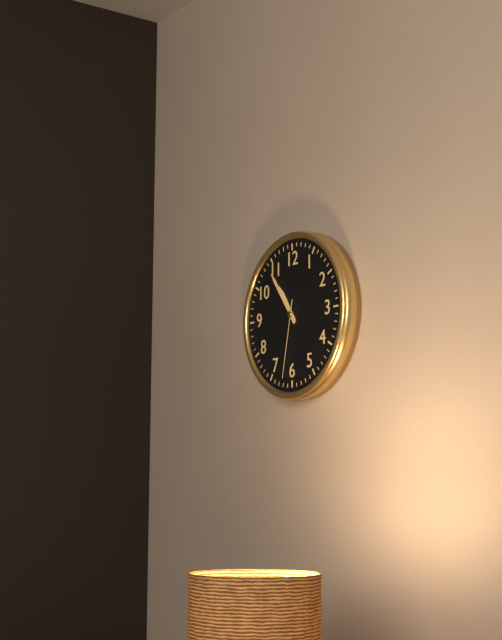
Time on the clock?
10:54:32
